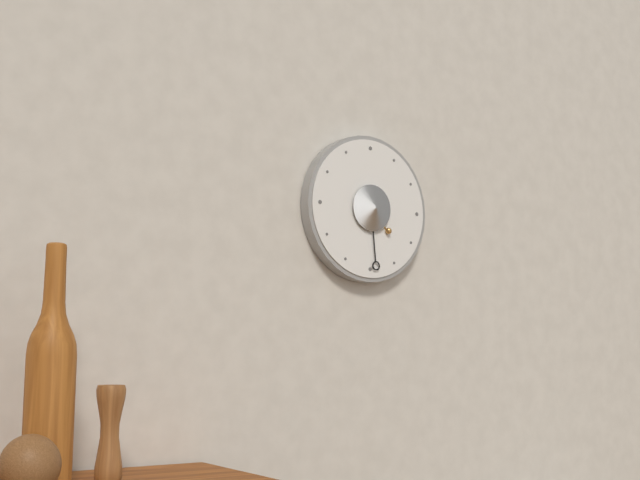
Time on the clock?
4:29
